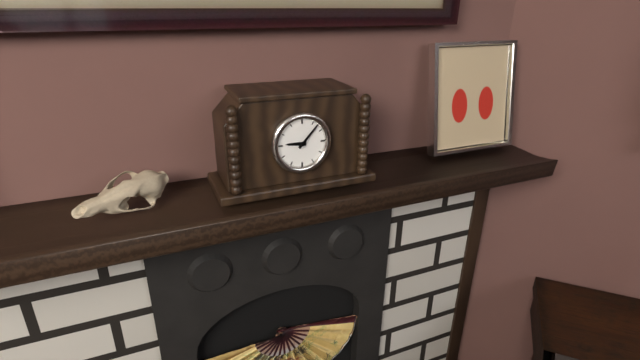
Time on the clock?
9:07
